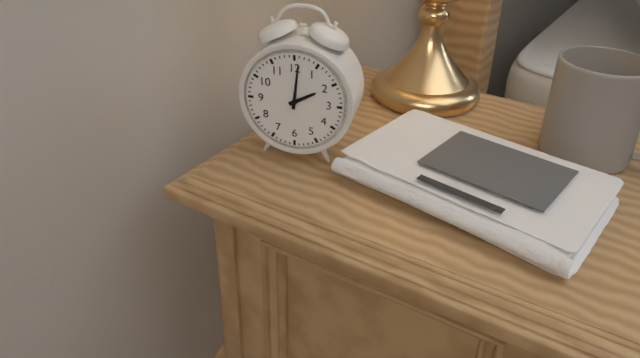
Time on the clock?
2:01
